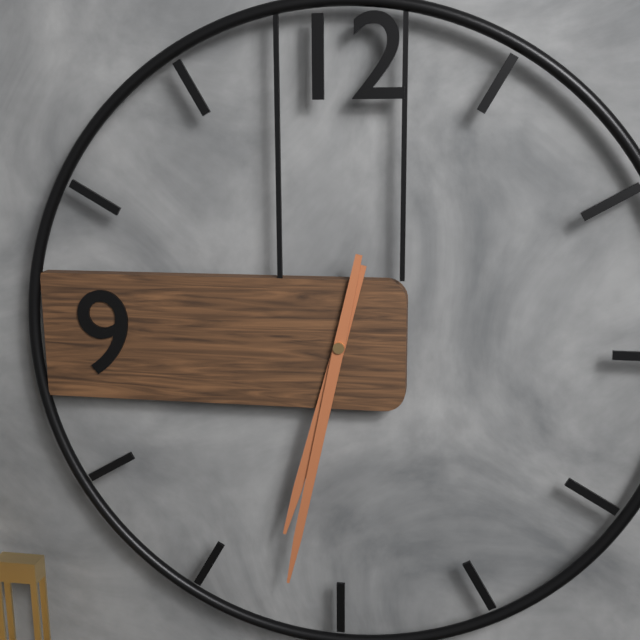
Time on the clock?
6:32
